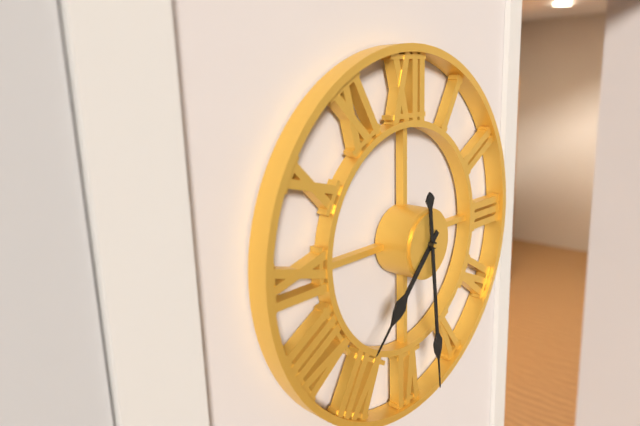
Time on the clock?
7:29
